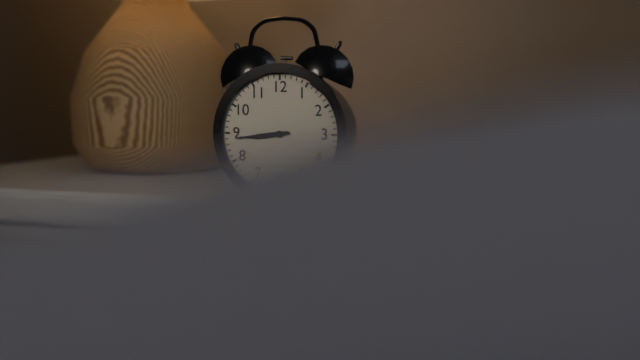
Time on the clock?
8:44
